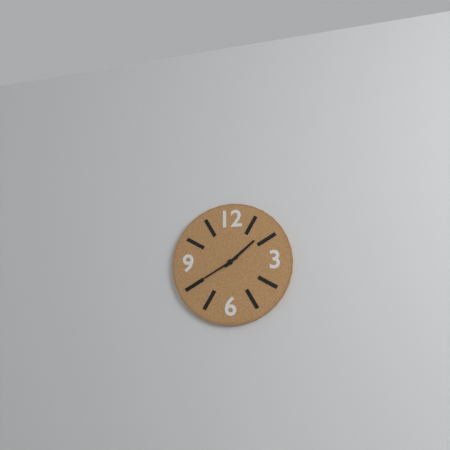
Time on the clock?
1:40
